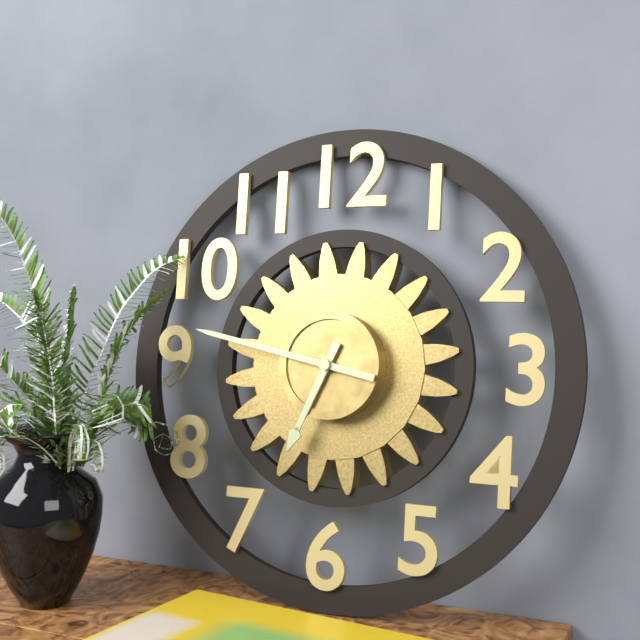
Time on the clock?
6:47
